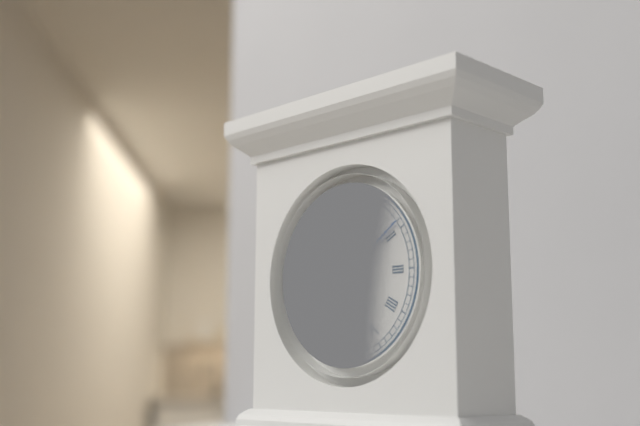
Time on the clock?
11:09
